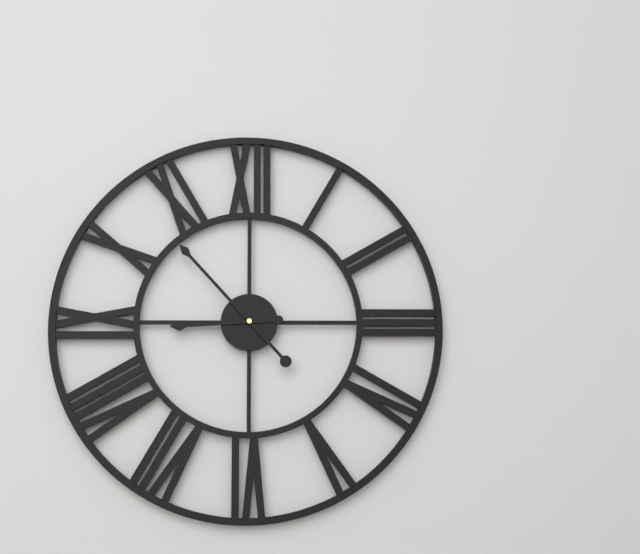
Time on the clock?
8:53
